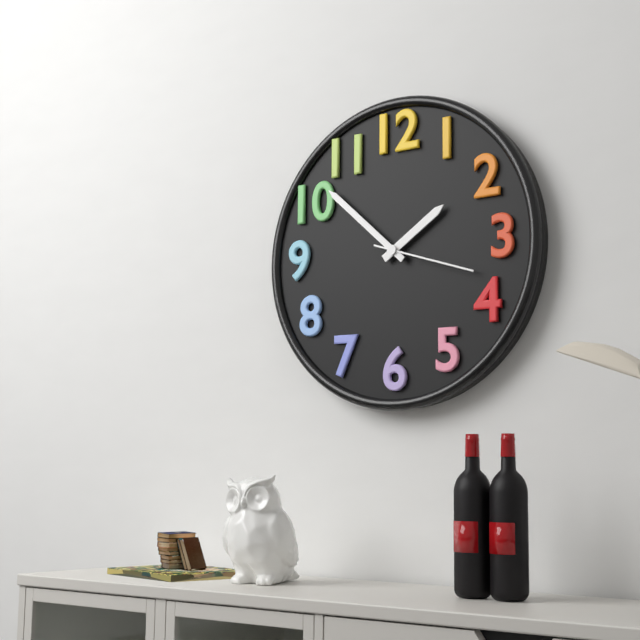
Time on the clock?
1:52:18
